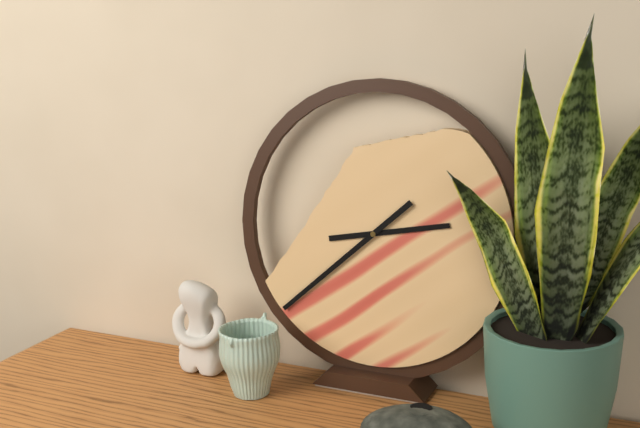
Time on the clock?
2:38
